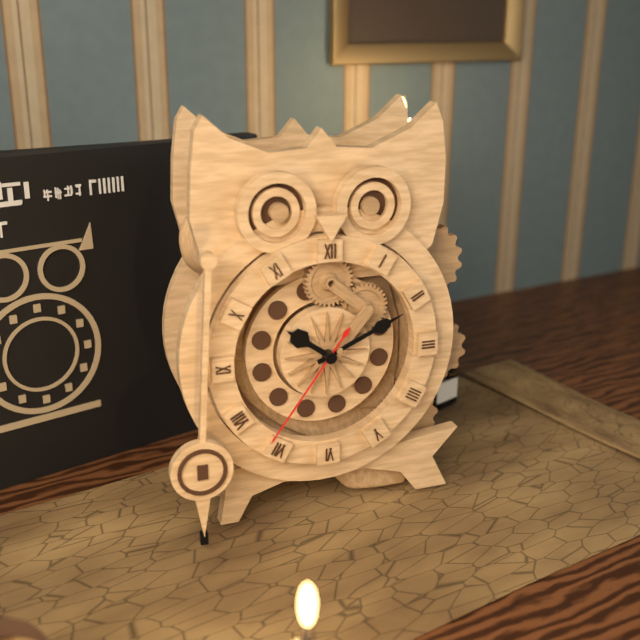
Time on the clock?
10:11:36
